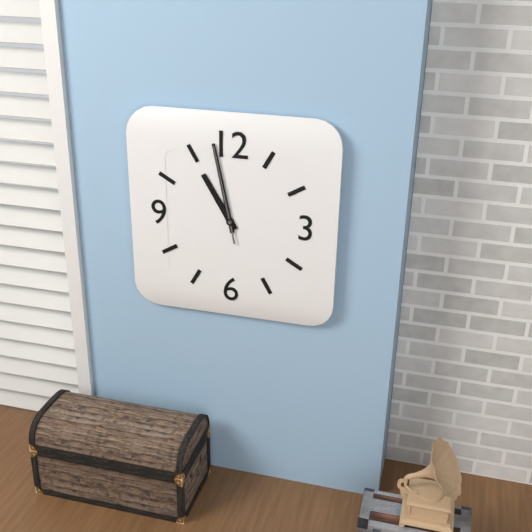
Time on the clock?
10:58:58
